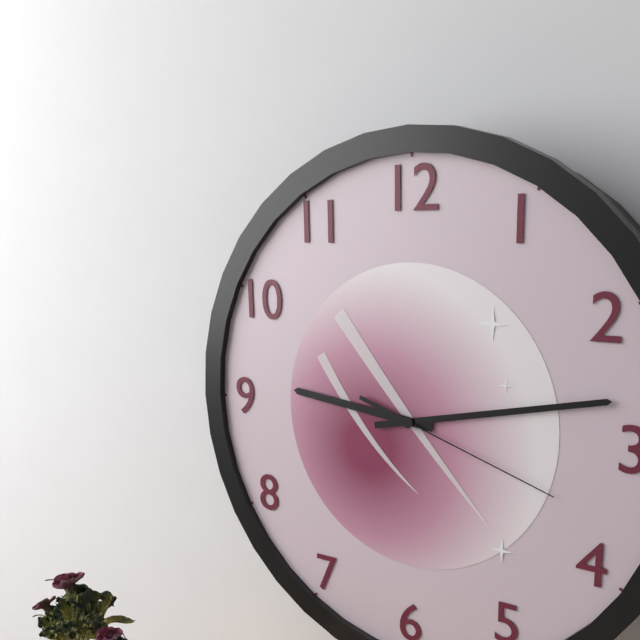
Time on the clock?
9:13:18
